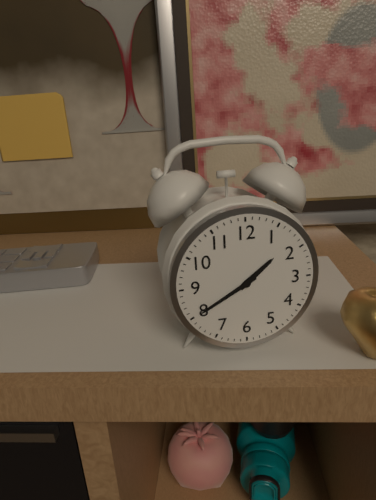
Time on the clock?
1:40
